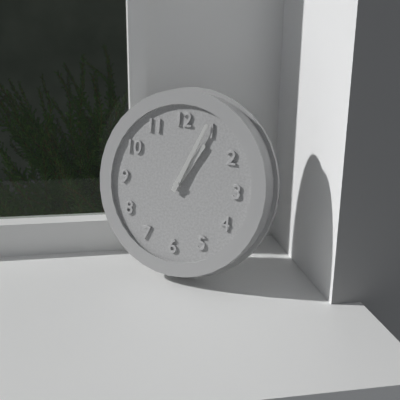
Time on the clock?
1:04
